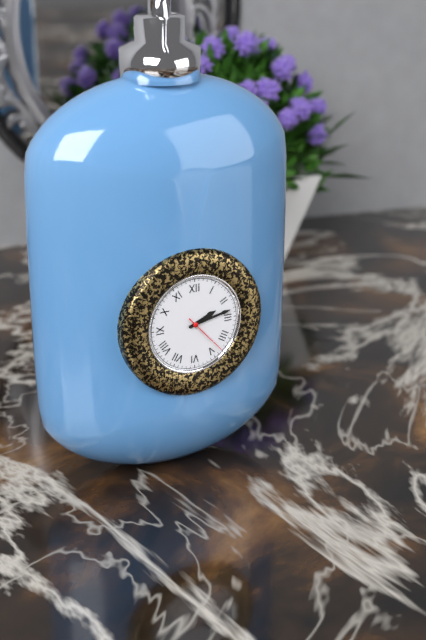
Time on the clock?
2:13
